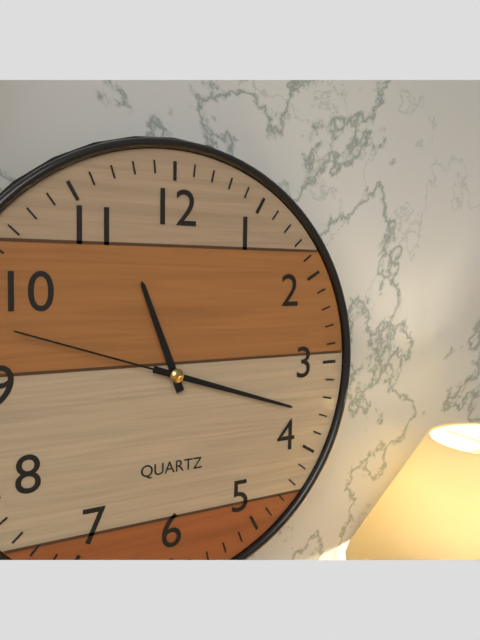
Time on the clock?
11:18:48
